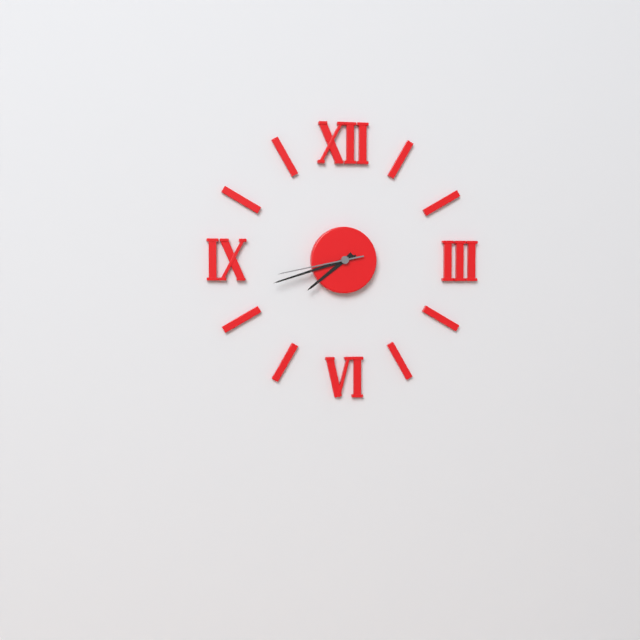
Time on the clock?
7:42:43
